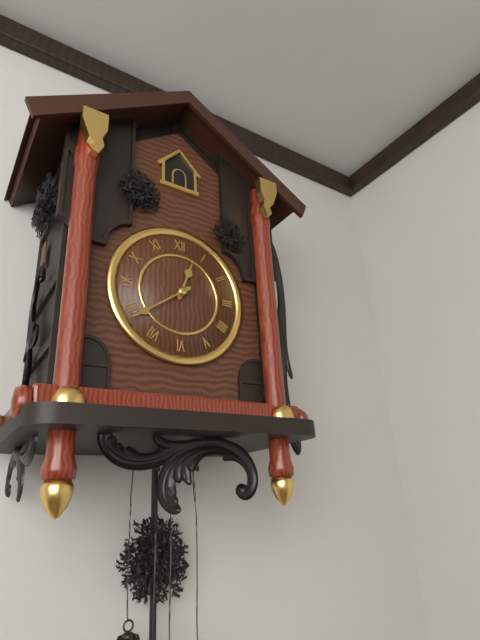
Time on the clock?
12:39
